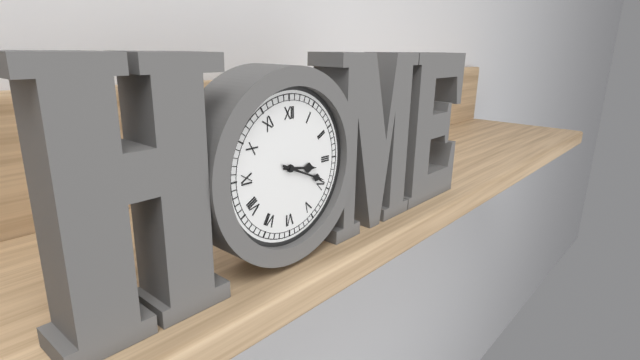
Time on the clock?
3:19
